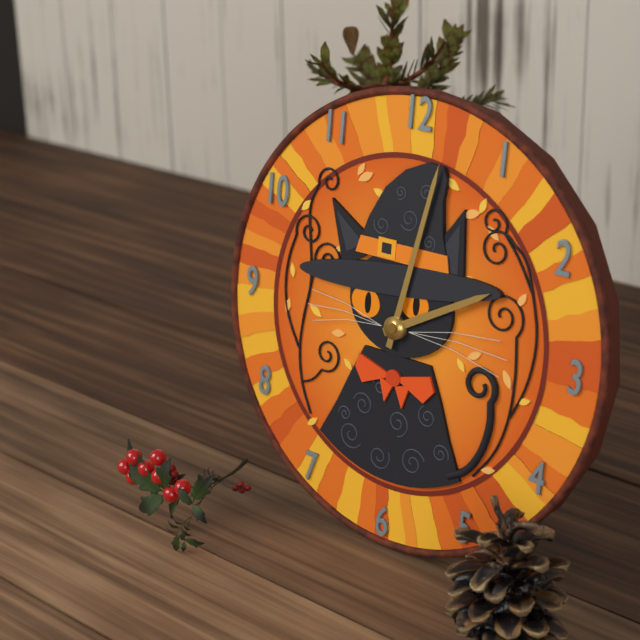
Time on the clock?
2:02
